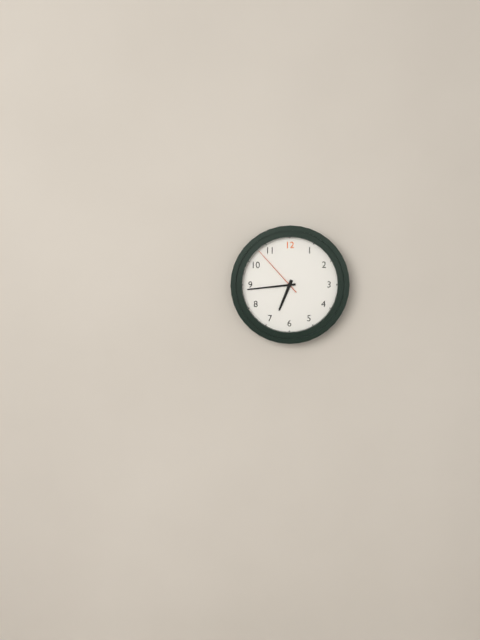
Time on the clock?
6:44:53
